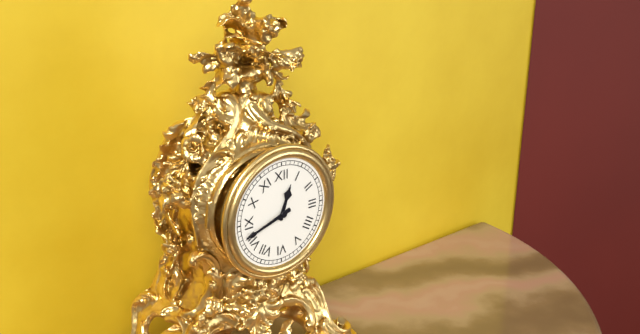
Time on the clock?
12:42
